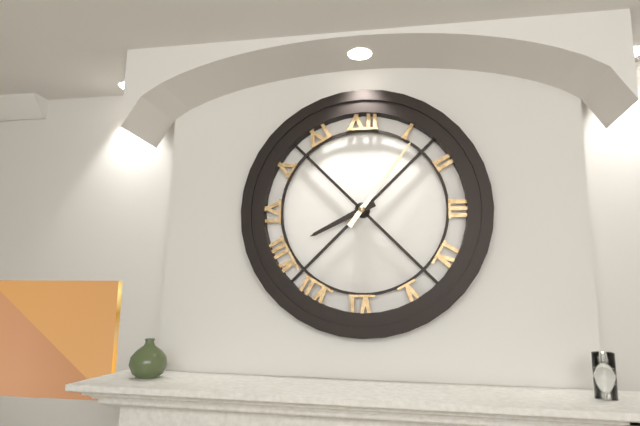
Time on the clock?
8:06
